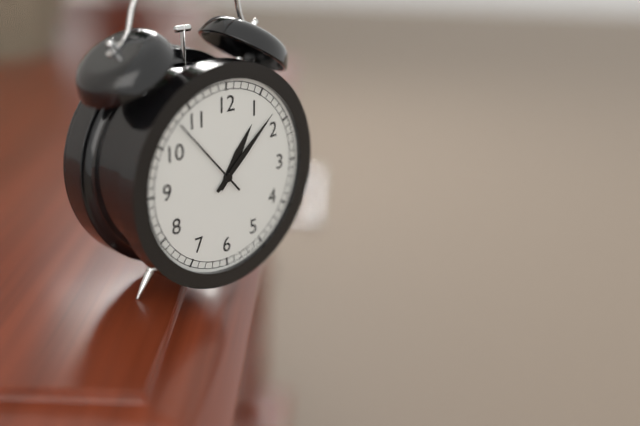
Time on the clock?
1:08:53
